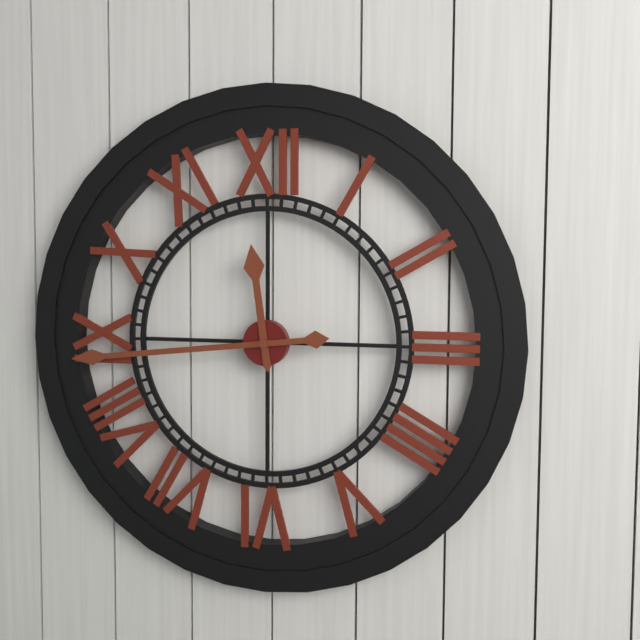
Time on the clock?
11:44
